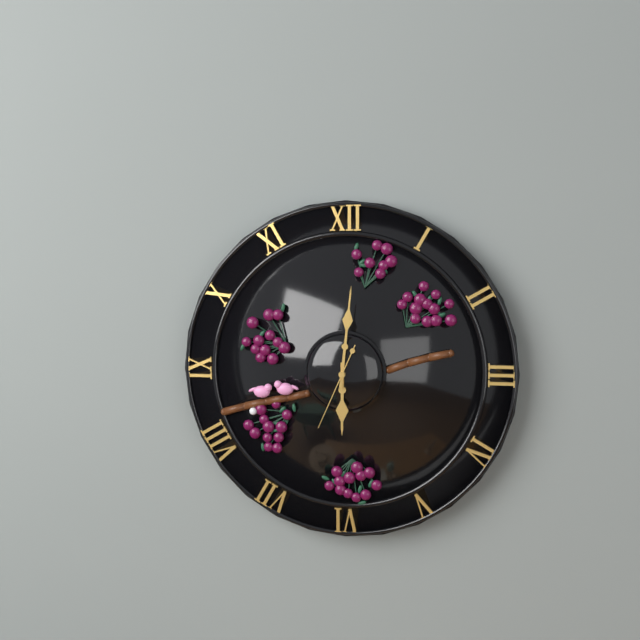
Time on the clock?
6:01:34
